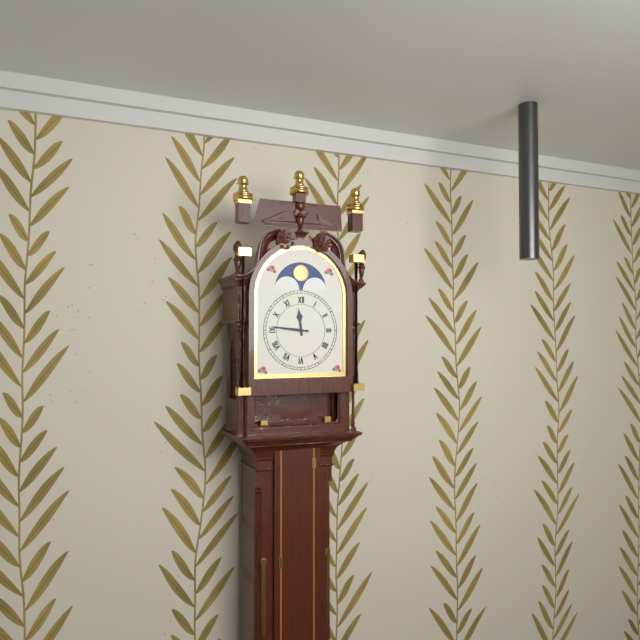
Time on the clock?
11:46
